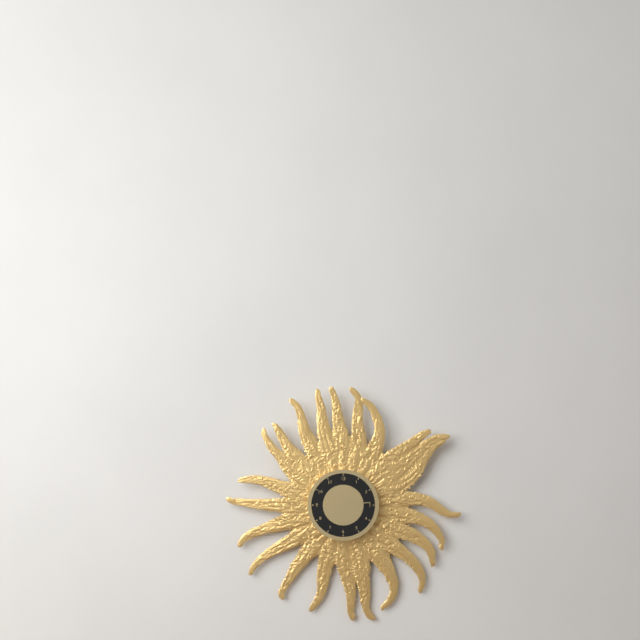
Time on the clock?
10:14
